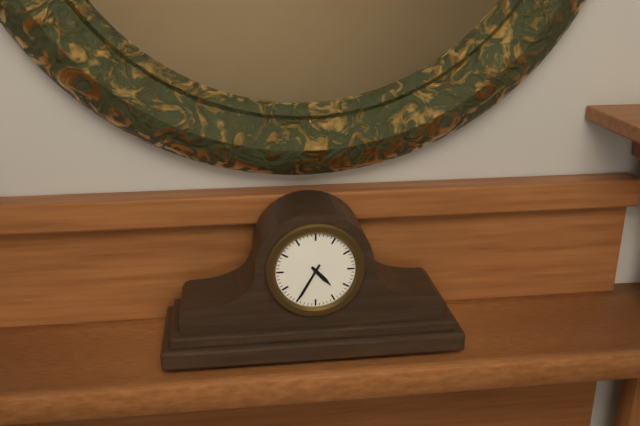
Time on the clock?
4:35
